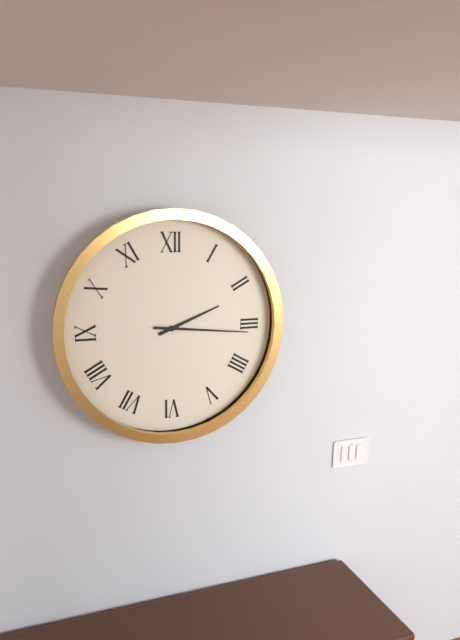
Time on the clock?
2:16
